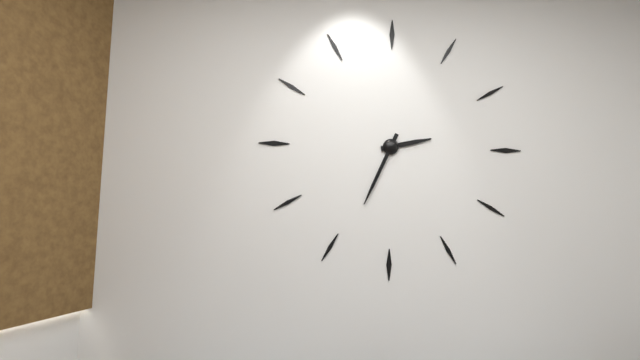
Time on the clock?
2:34
